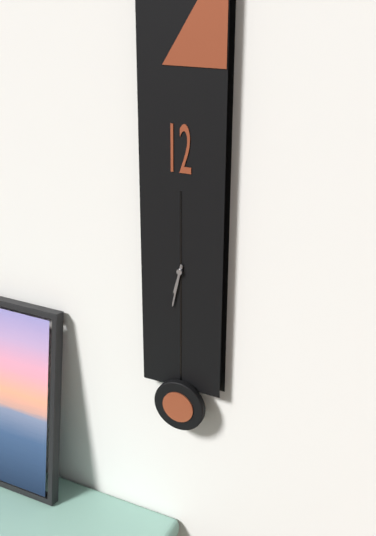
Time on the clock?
6:32
